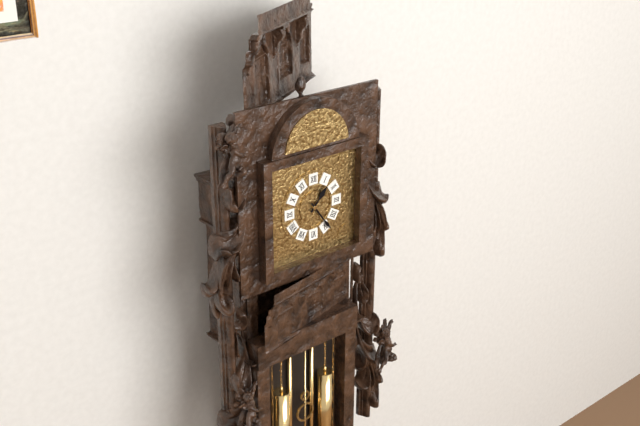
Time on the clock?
1:24
